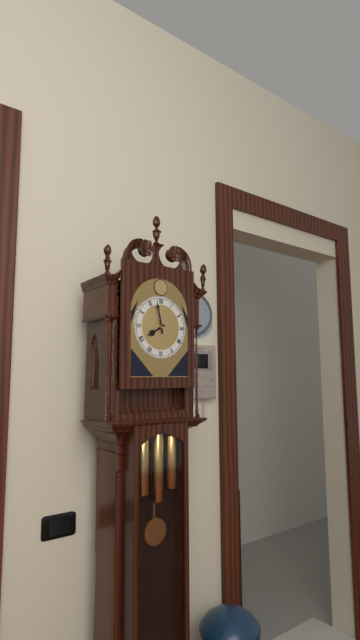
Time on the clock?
7:58
